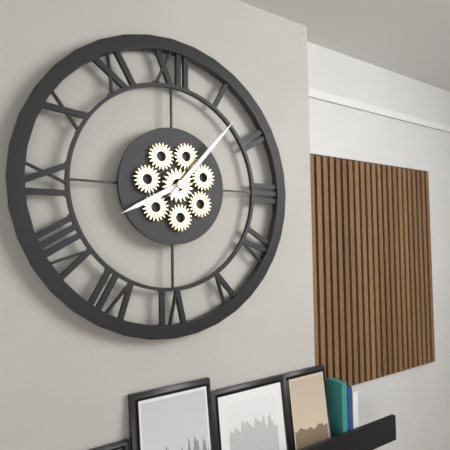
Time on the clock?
8:07
